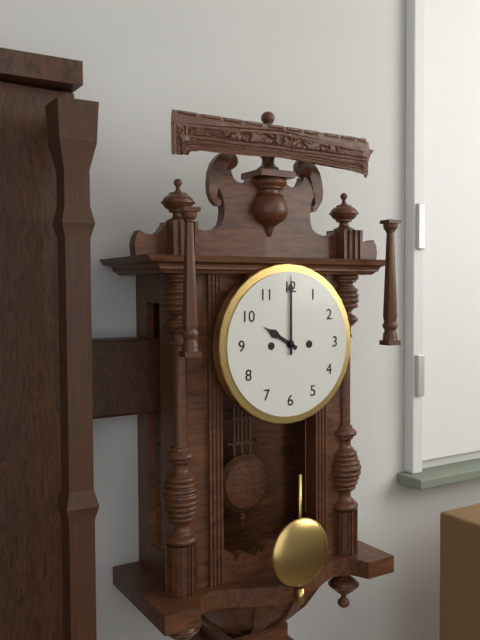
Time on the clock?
10:00
